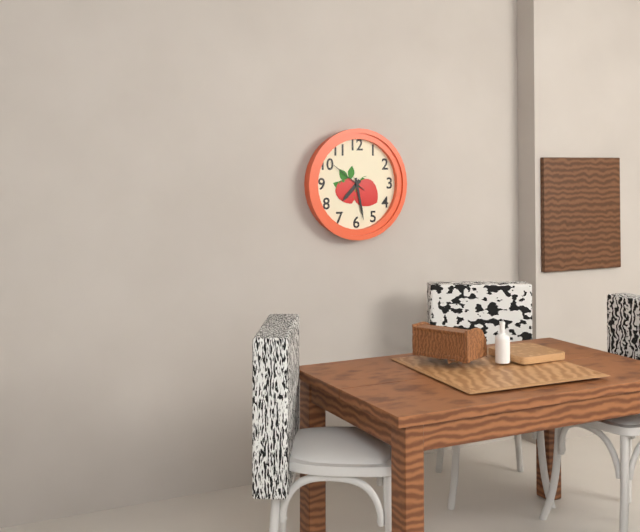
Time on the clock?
7:28
